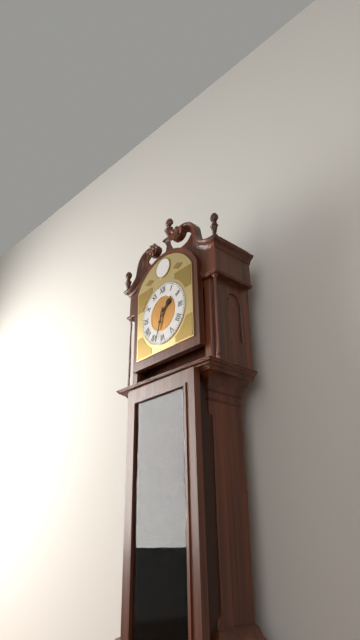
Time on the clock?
1:33
